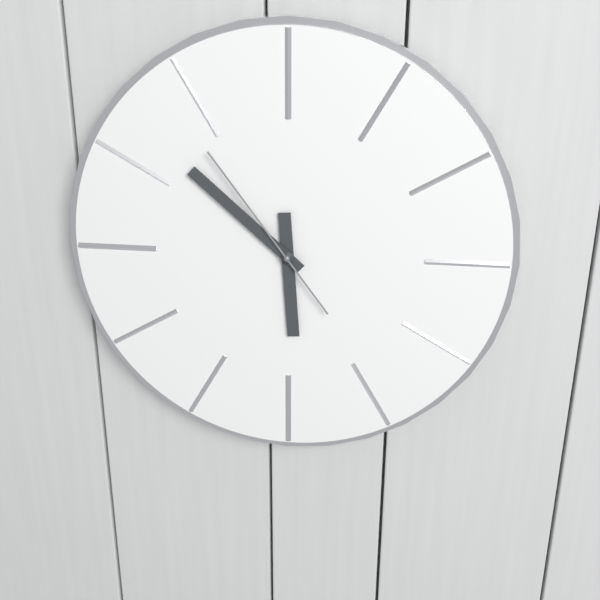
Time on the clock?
5:52:54
